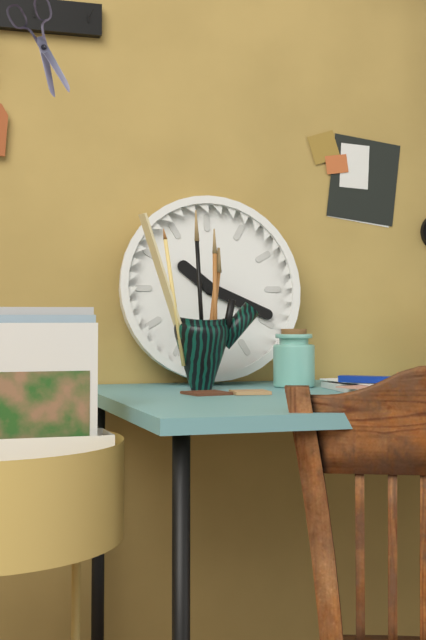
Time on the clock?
10:19
